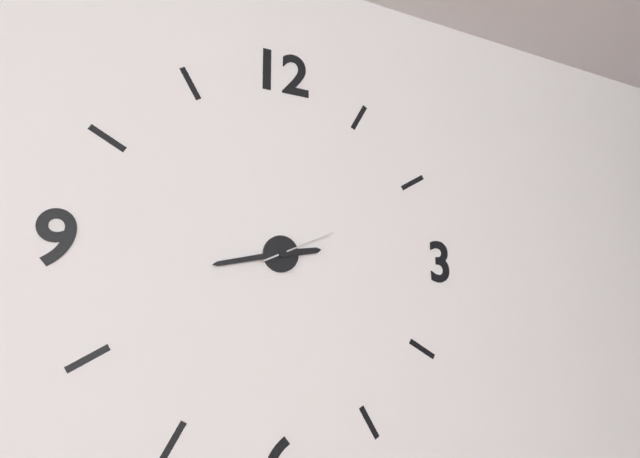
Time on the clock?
2:43:11
